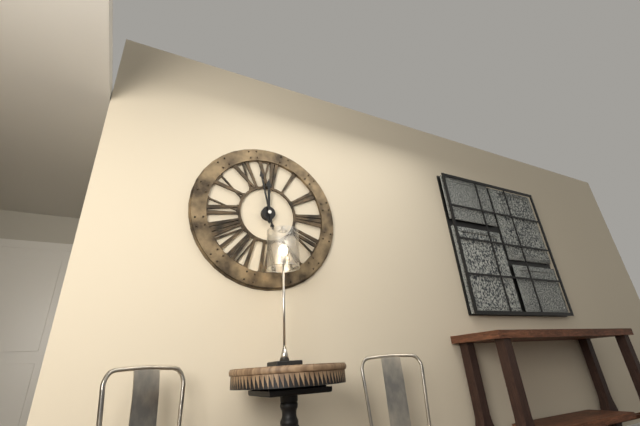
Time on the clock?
11:58
